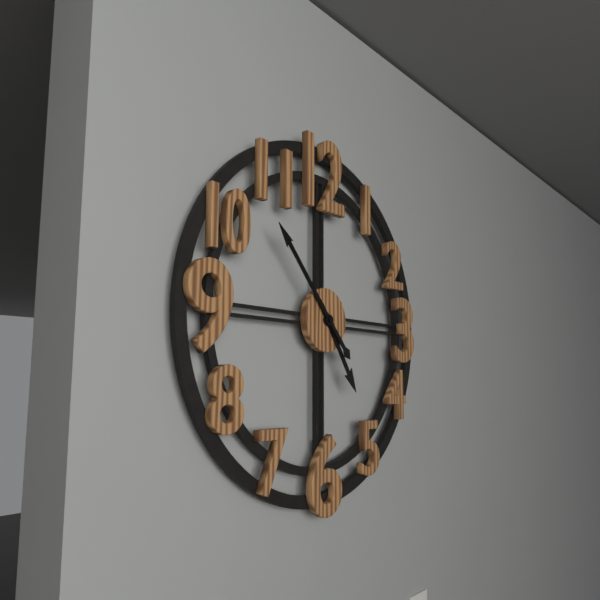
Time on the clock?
4:53
